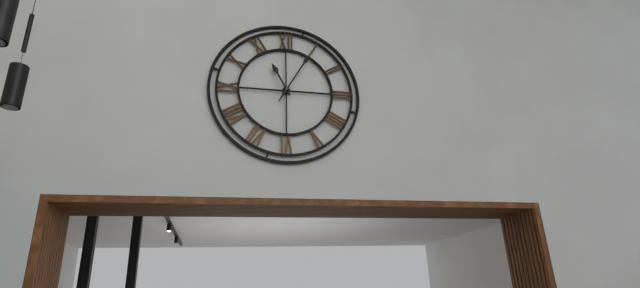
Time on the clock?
11:05
